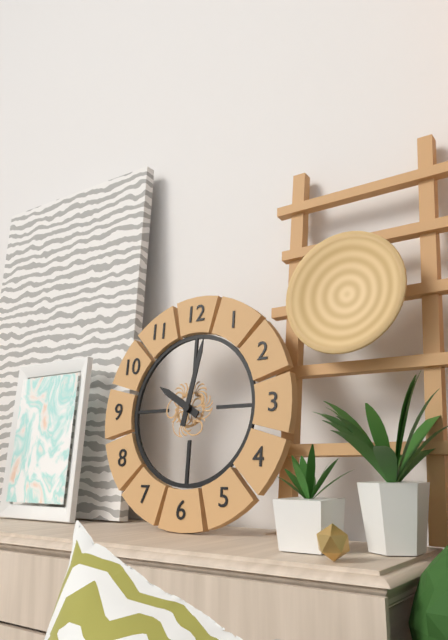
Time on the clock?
10:02
